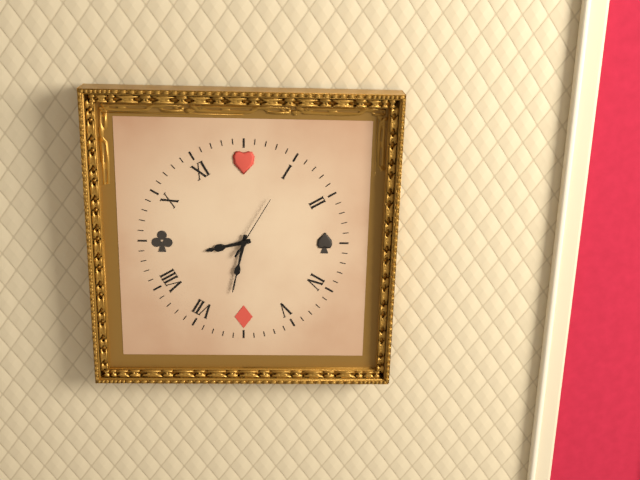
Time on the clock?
8:32:05
